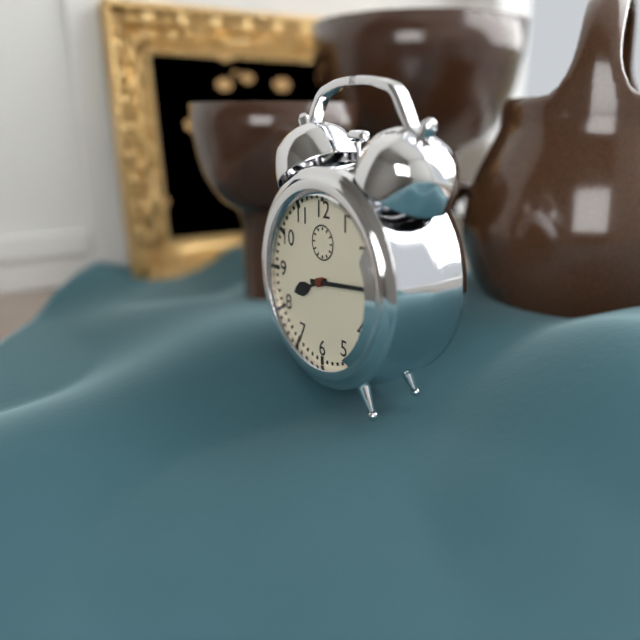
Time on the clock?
8:14
